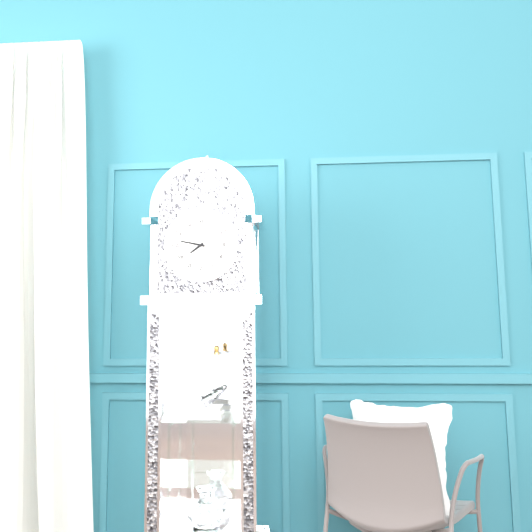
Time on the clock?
7:47
